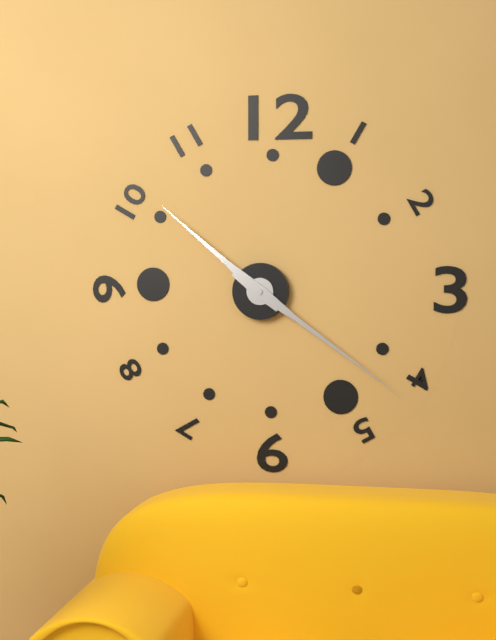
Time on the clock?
10:21
